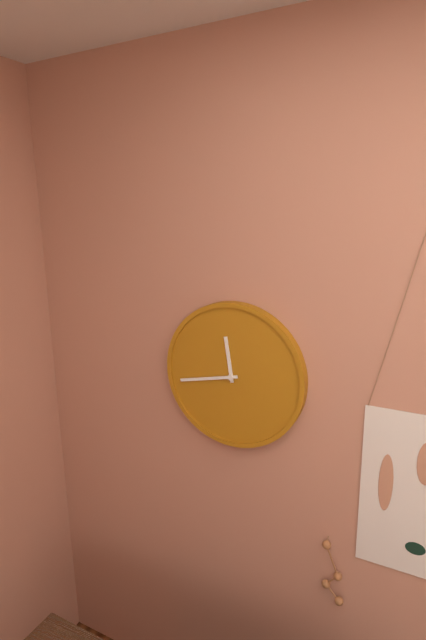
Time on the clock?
11:43
